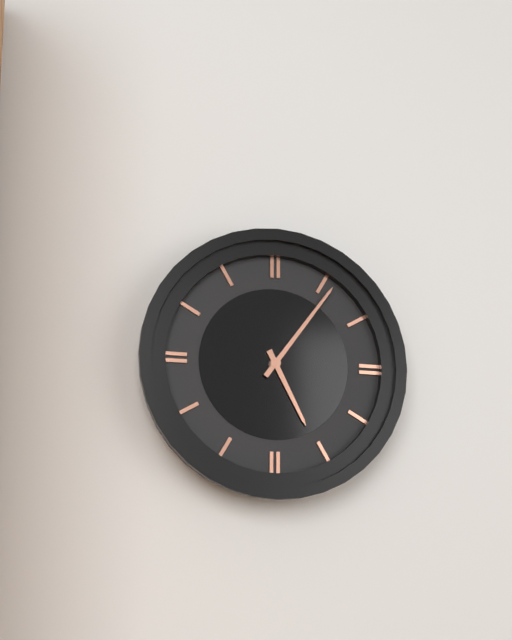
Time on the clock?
5:06
